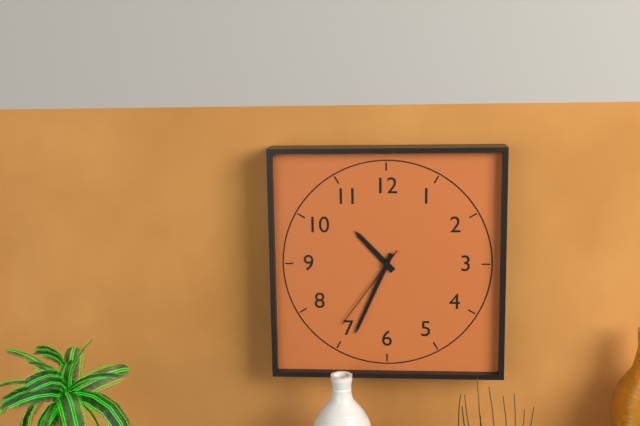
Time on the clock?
10:34:36
